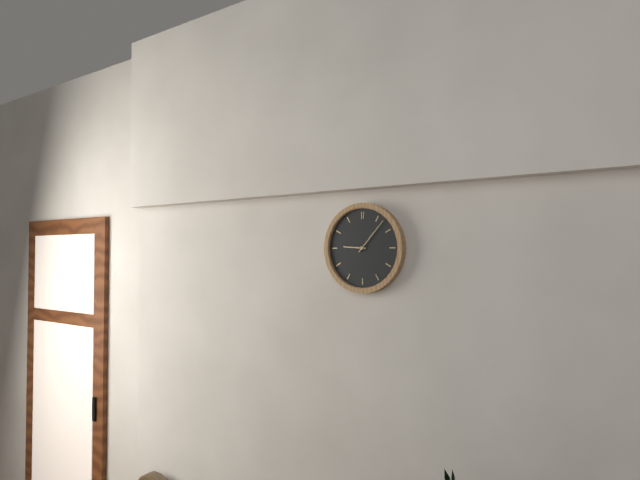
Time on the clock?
9:07
